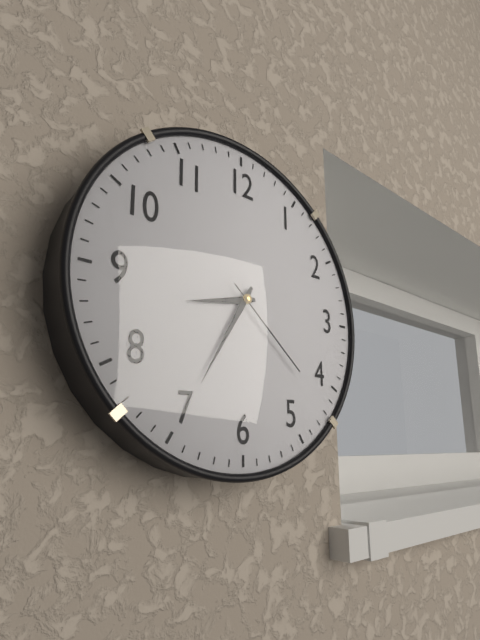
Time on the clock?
8:35:22
